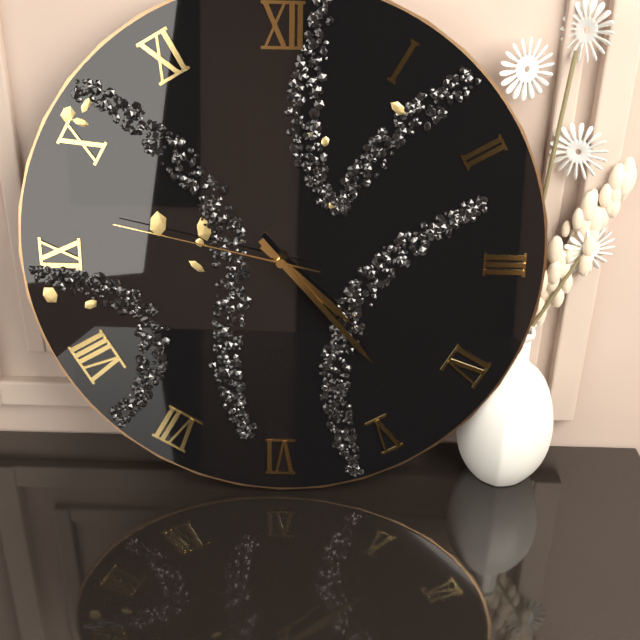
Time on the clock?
4:23:47
